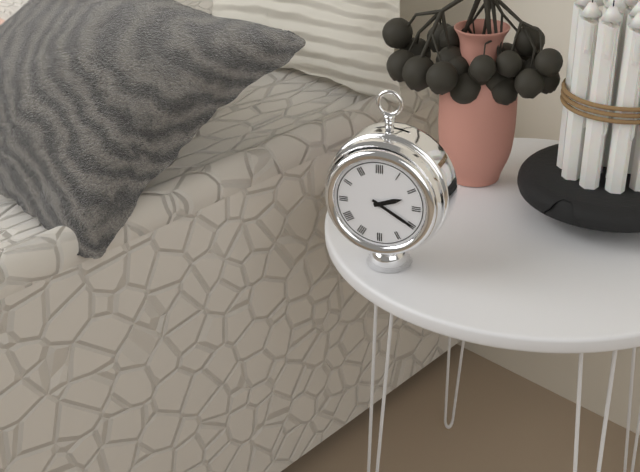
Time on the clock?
2:20
